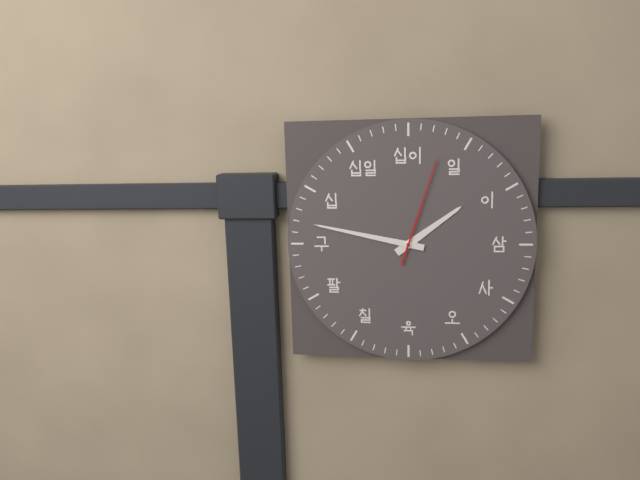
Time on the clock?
1:47:03
